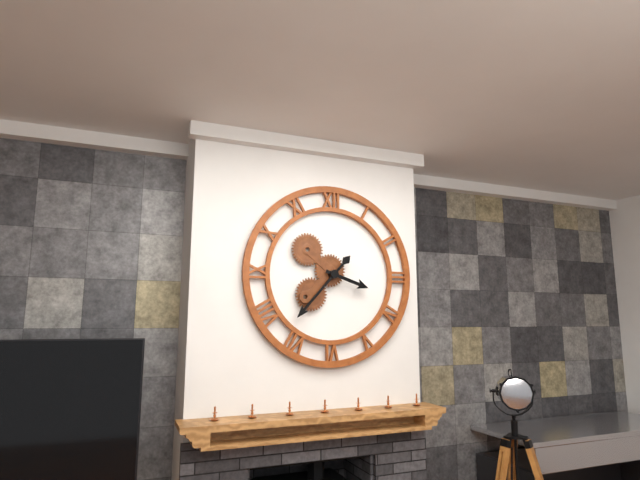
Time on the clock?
3:37
